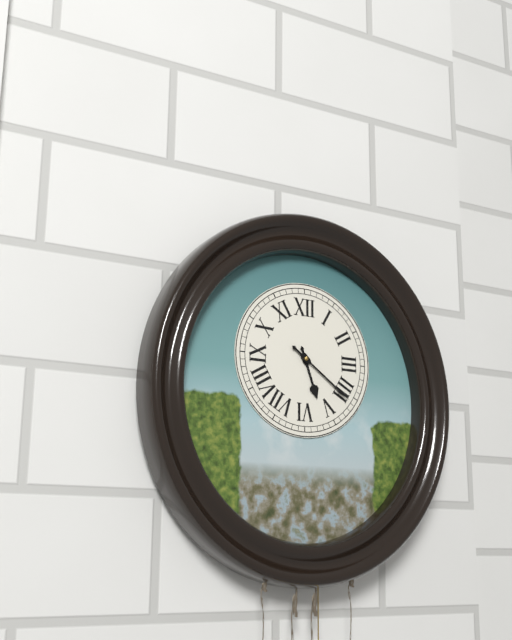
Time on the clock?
5:21
